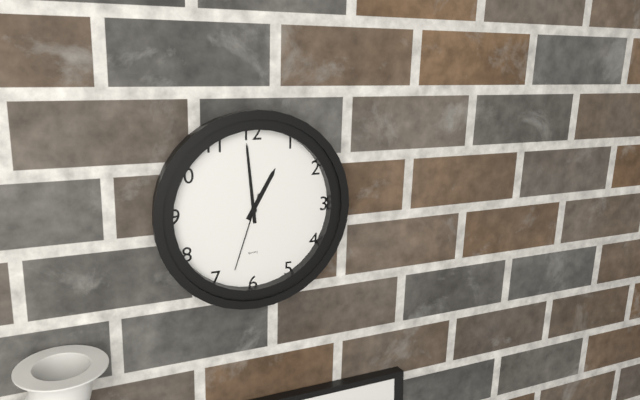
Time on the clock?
12:59:33
